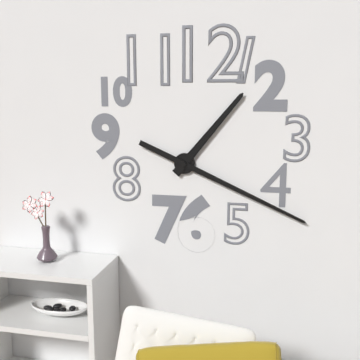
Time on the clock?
1:19
